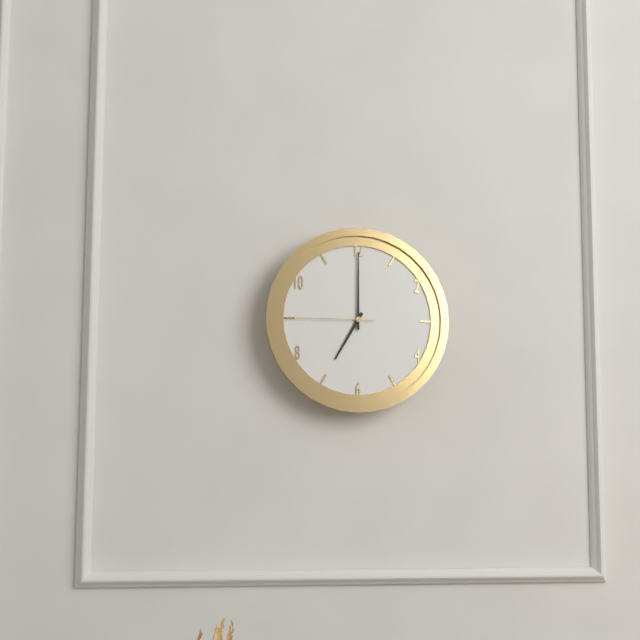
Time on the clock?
7:00:45
